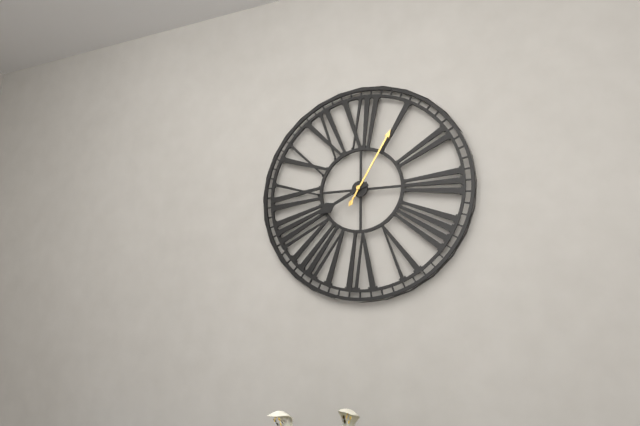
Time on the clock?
8:05
